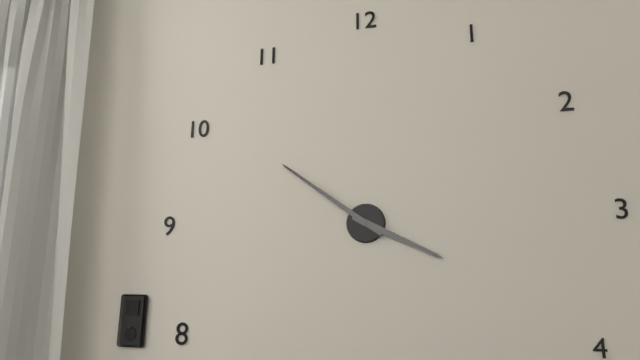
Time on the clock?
3:51
